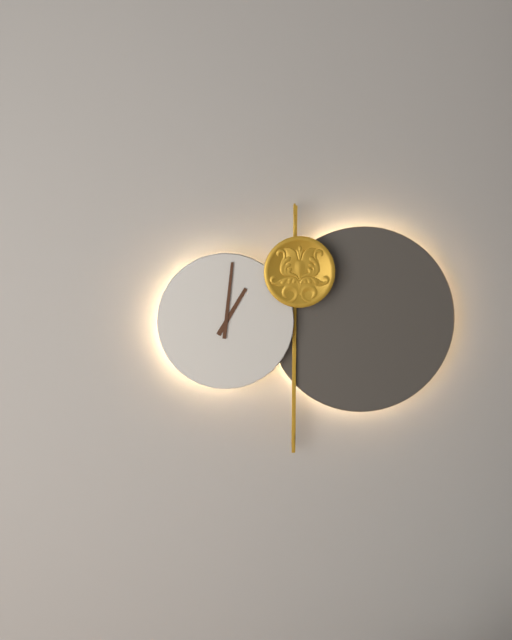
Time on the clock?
1:01
